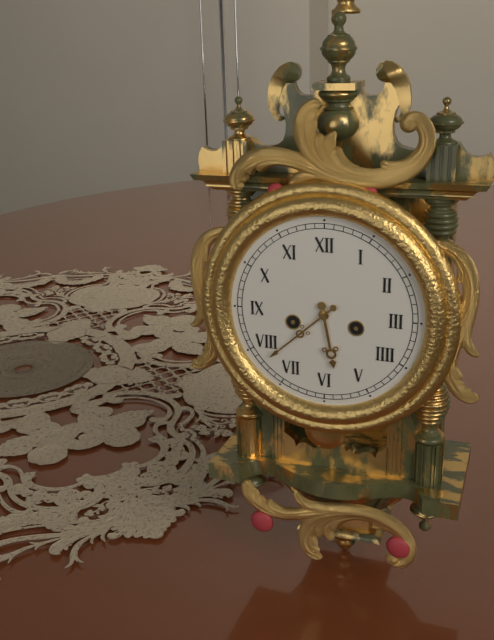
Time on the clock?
5:38
